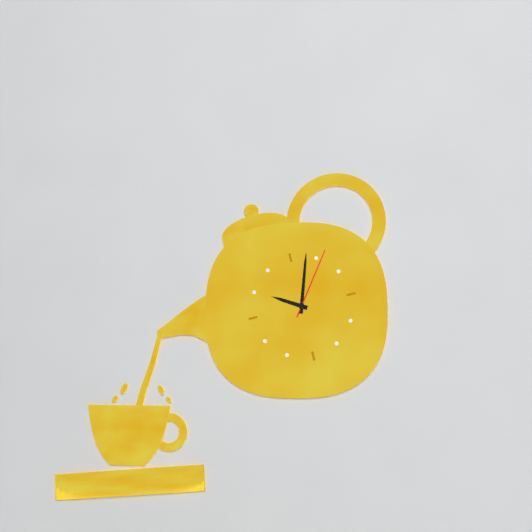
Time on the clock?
10:03:06
